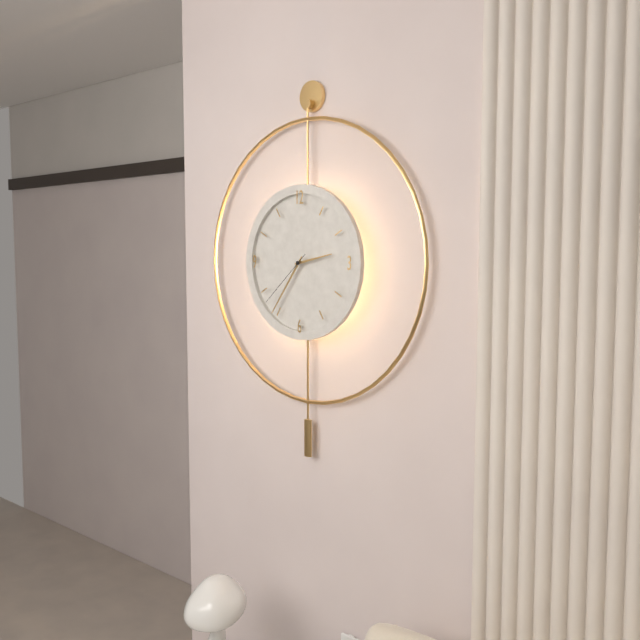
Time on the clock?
2:36:38
